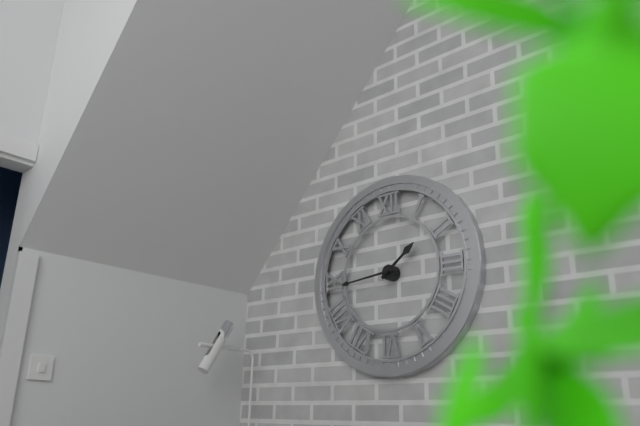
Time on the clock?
1:44
